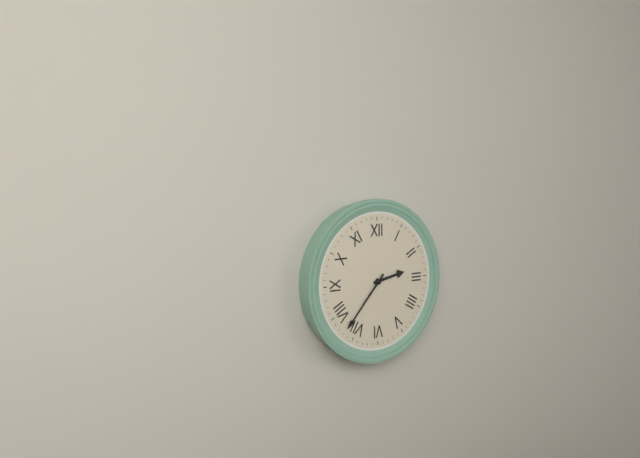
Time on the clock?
2:37
